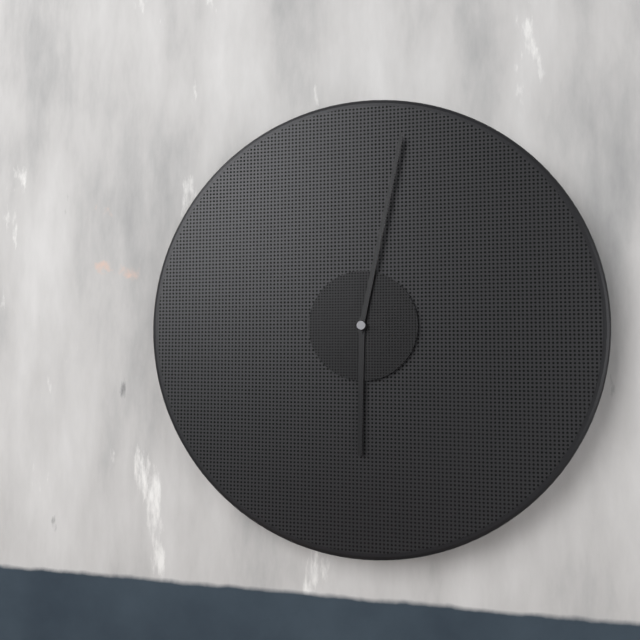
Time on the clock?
6:02
